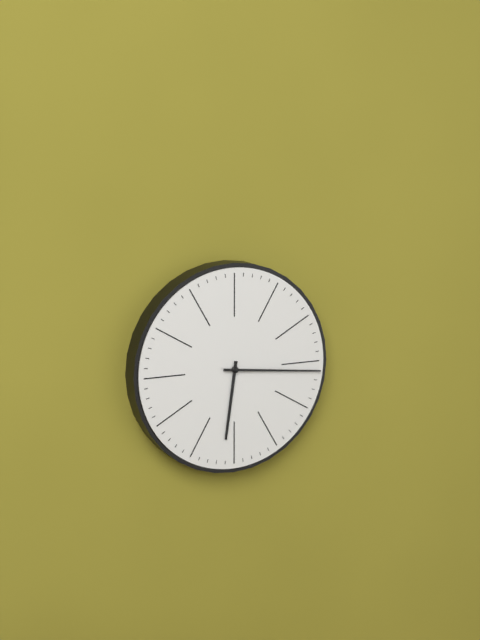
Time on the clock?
6:16
